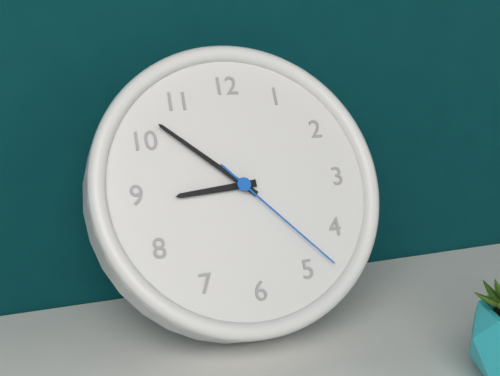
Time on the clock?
8:52:23
